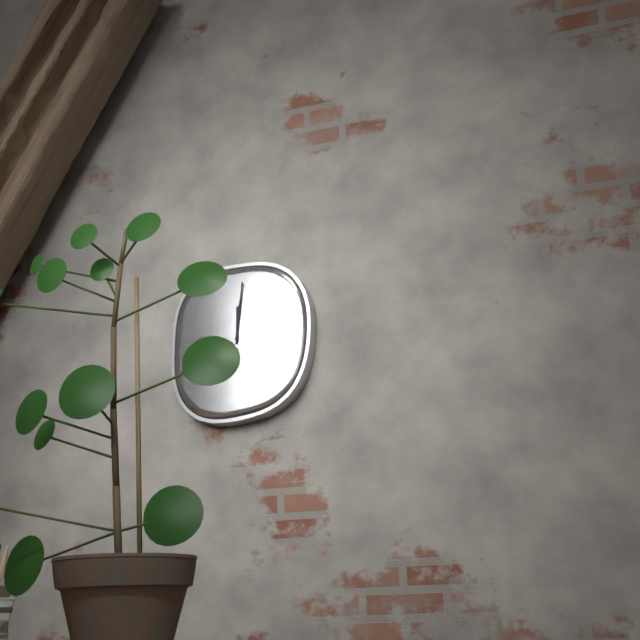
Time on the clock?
12:01
